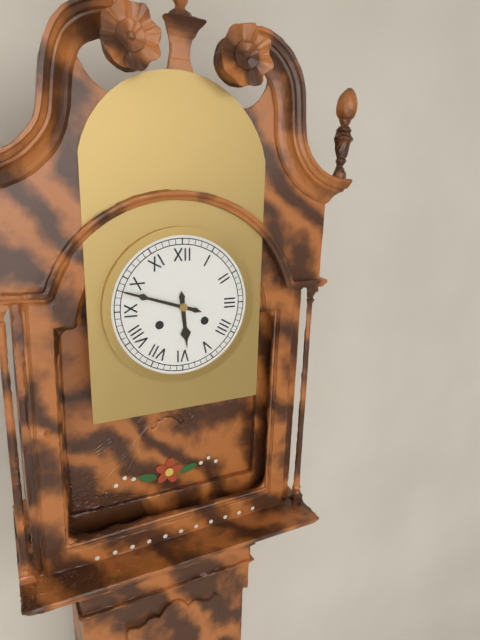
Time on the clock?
5:48
